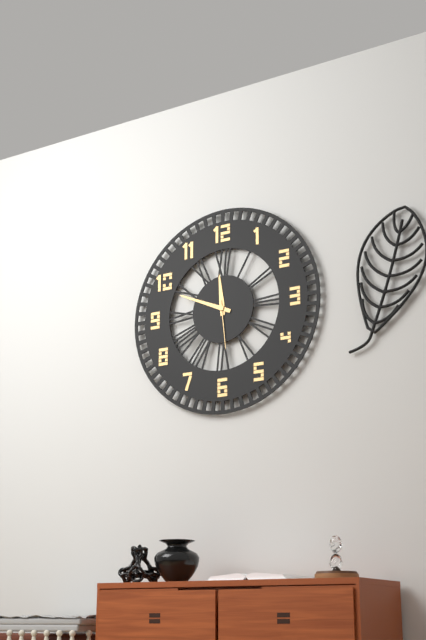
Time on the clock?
11:49
